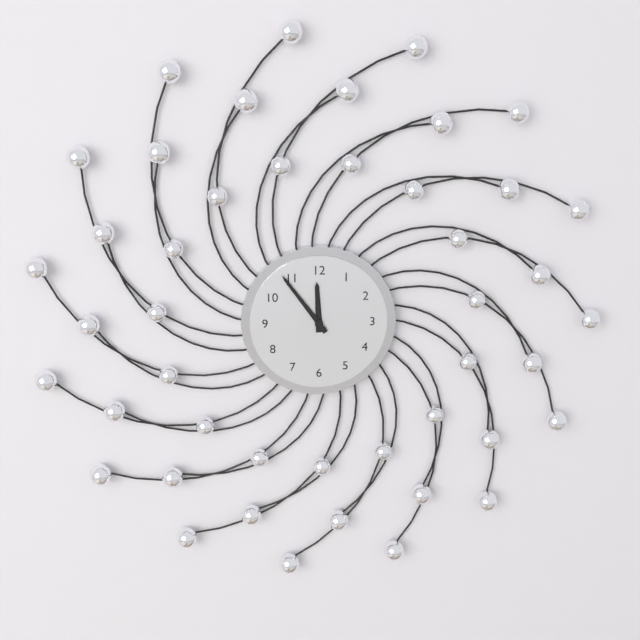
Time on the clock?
11:54
